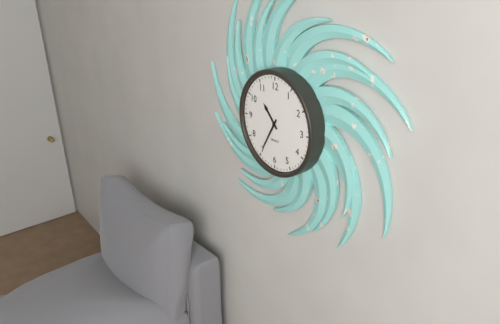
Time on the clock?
10:35
